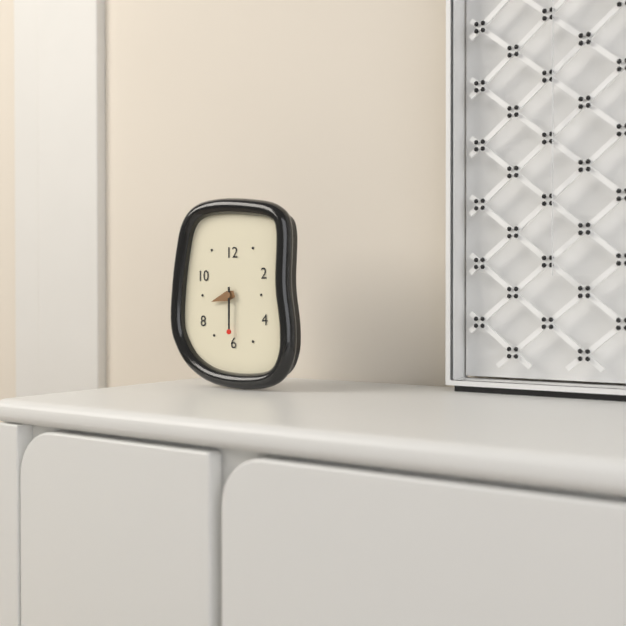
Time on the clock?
8:30
